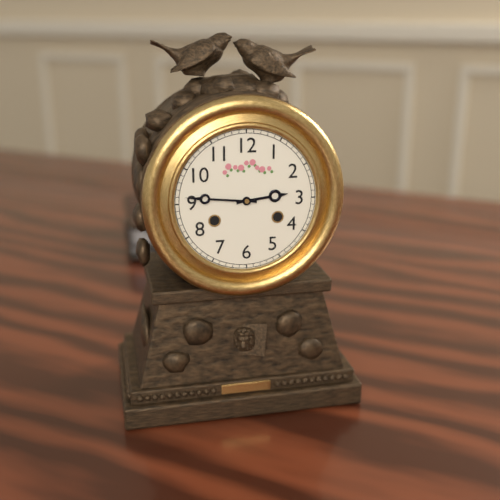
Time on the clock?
2:46
